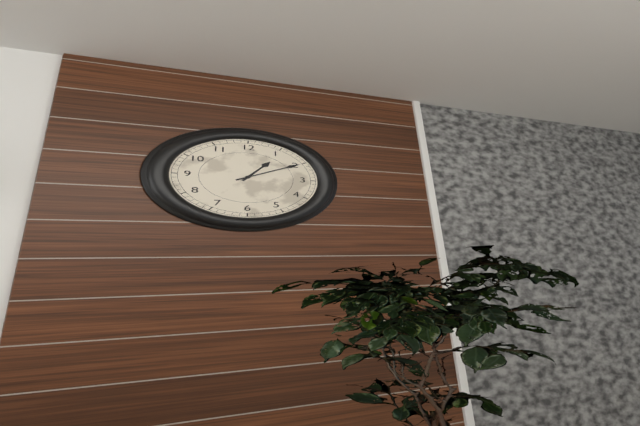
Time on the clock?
1:10
